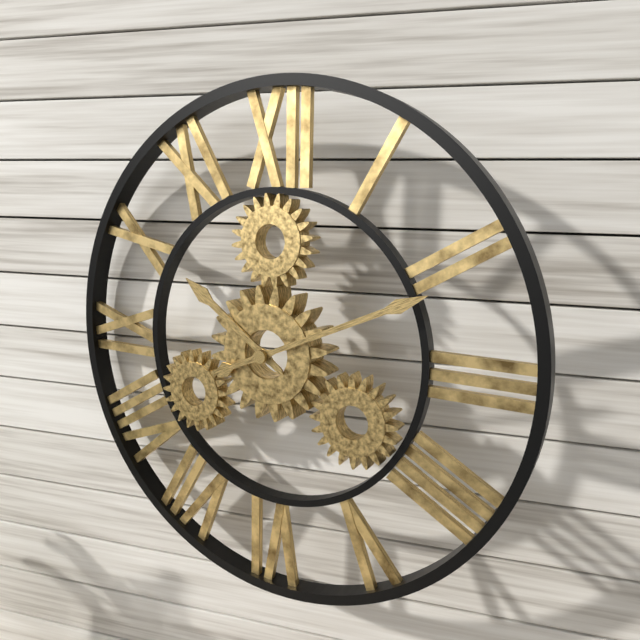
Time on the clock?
10:11
